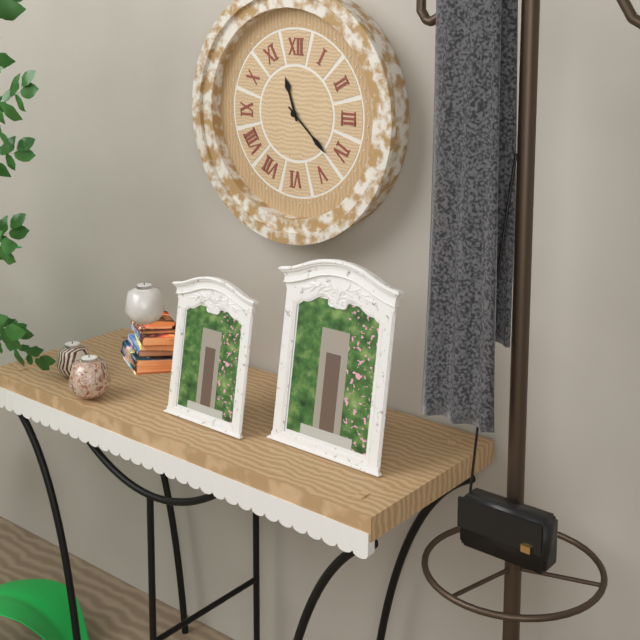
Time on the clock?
11:22
